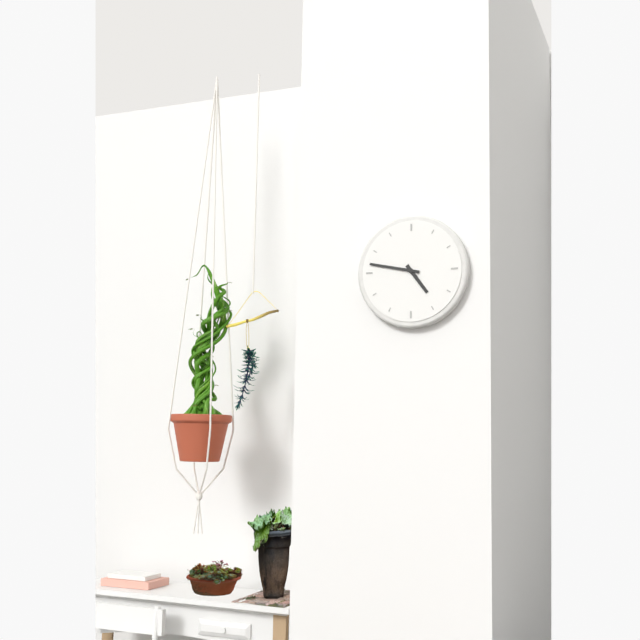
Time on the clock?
4:47
